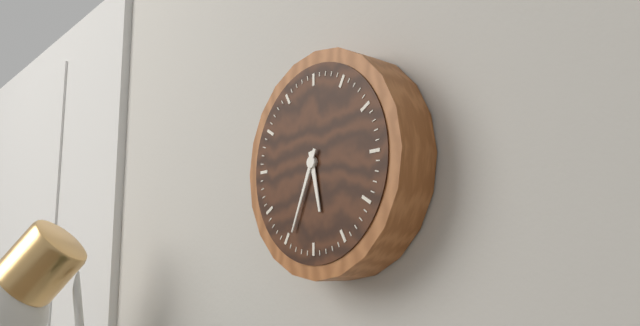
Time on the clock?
5:34
